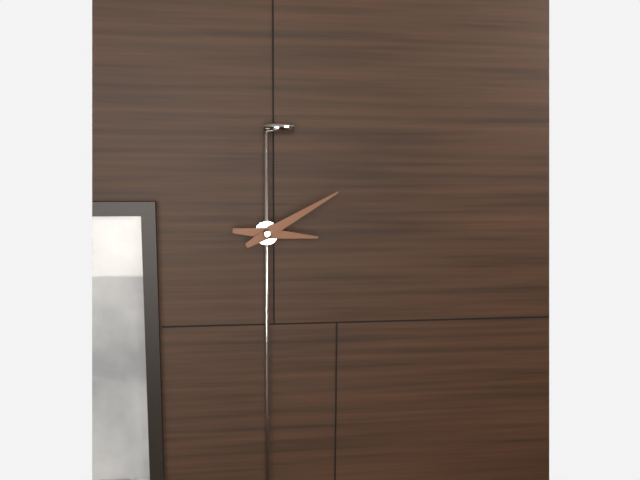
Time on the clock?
3:10
